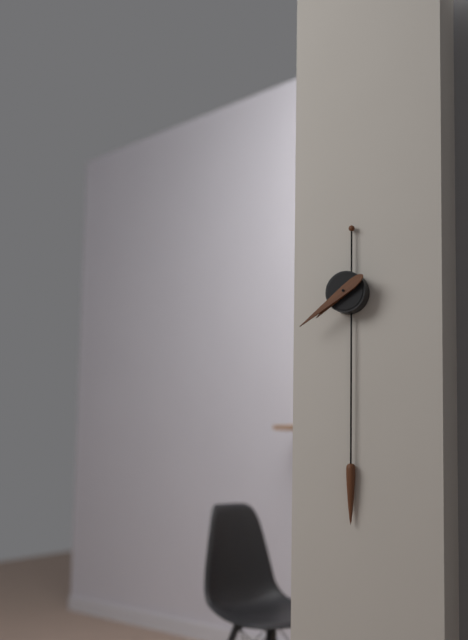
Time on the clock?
7:39
